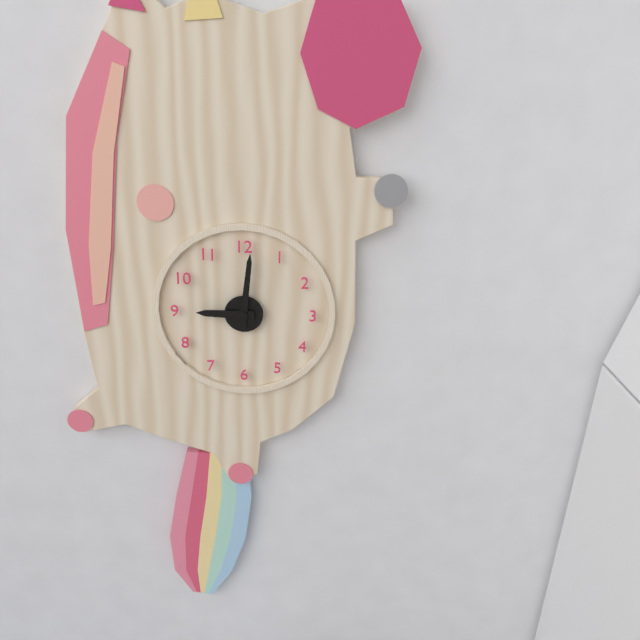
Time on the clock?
9:01
